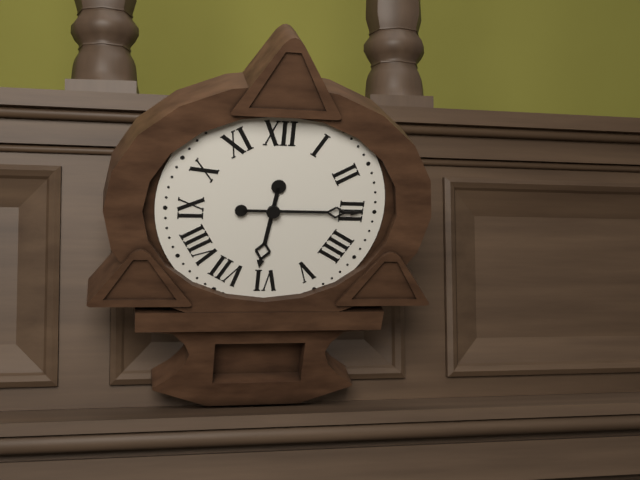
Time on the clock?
6:15
